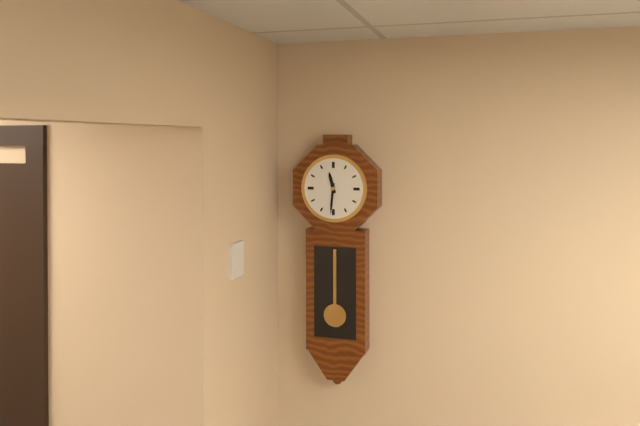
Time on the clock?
11:31
